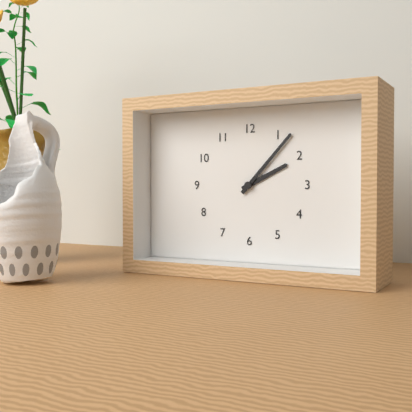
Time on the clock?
2:07
